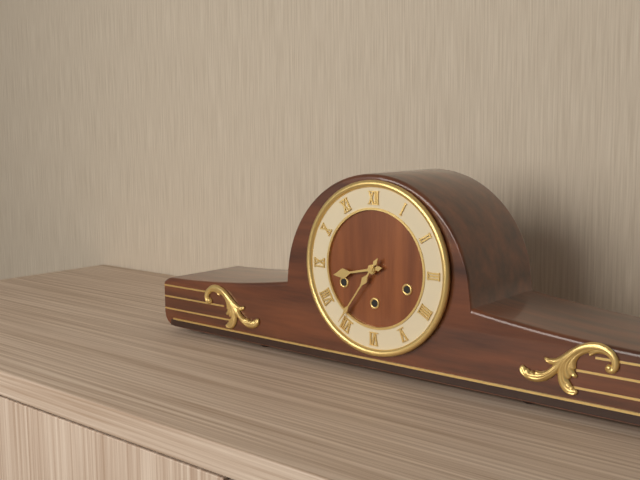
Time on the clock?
8:36
